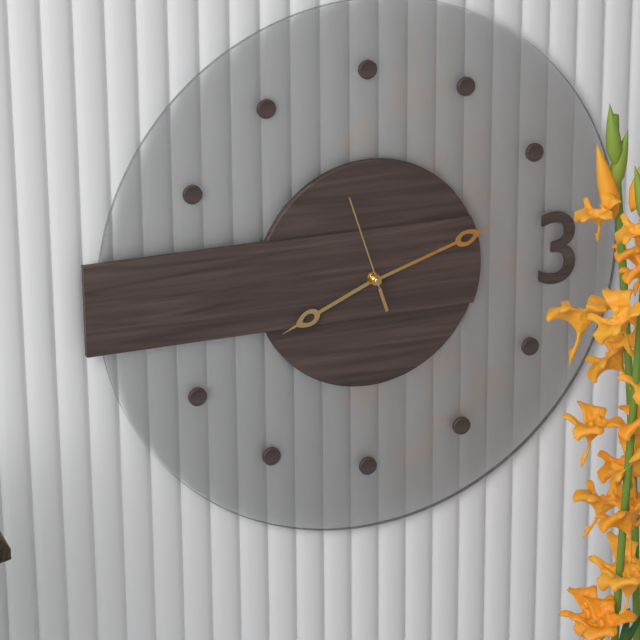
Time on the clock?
8:12:57
